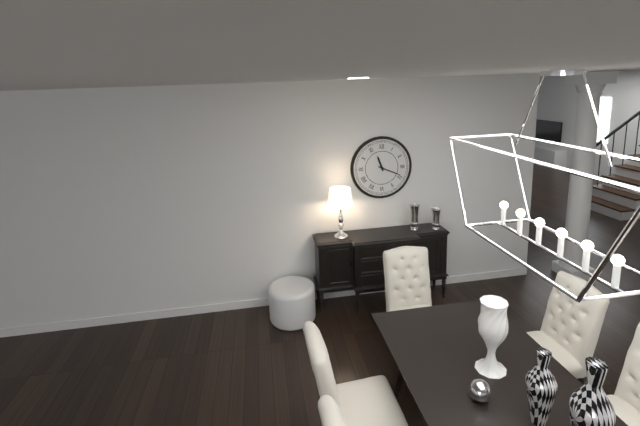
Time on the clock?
11:19
